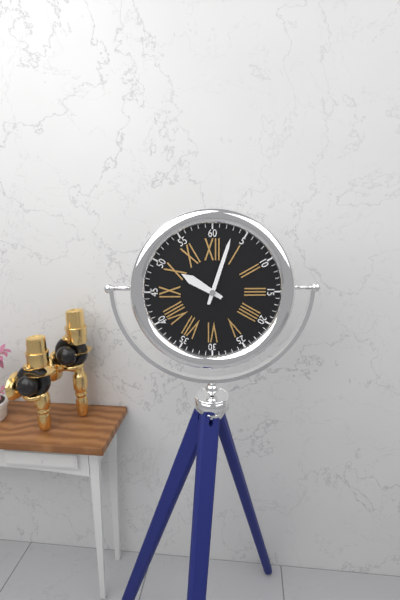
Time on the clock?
10:03
